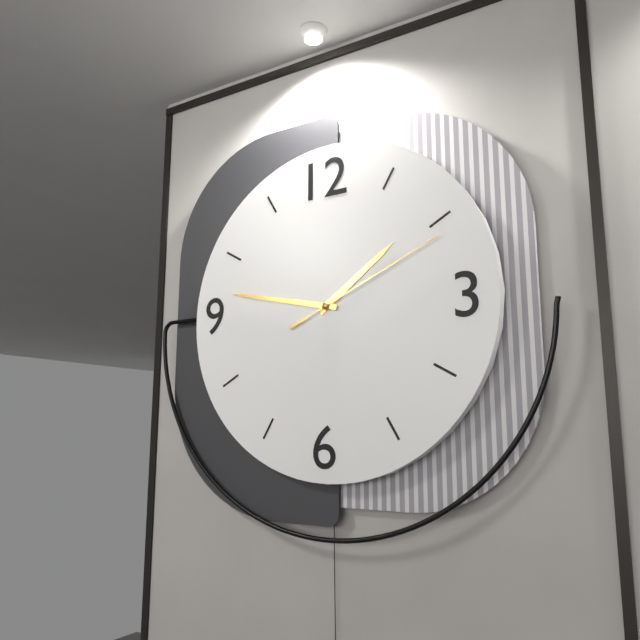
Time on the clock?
1:47:11
